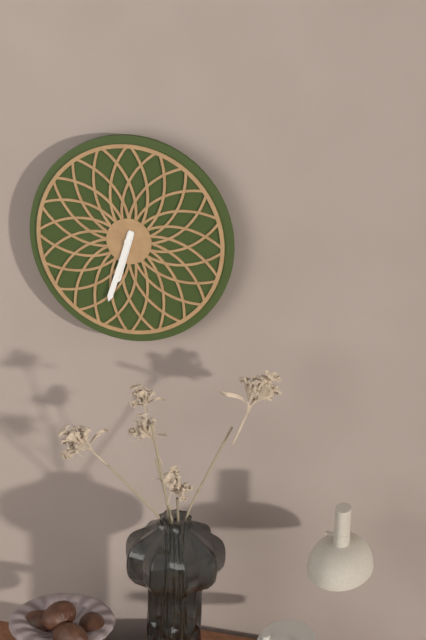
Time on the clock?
6:33
